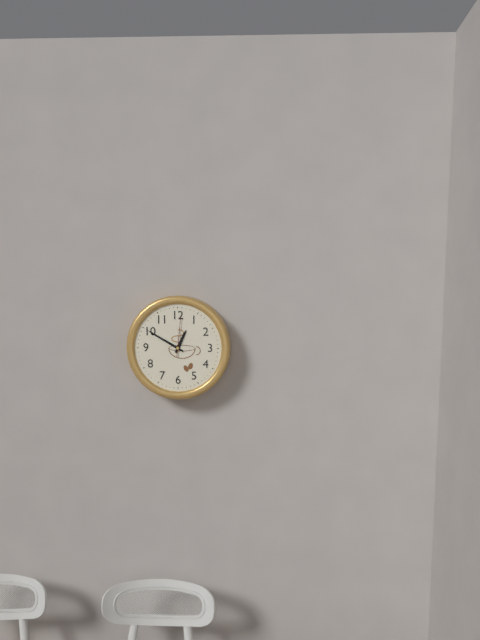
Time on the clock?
12:50
